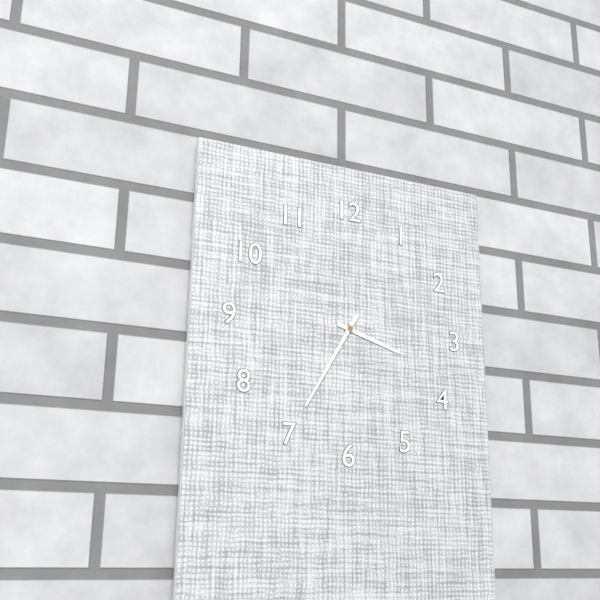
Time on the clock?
3:35
